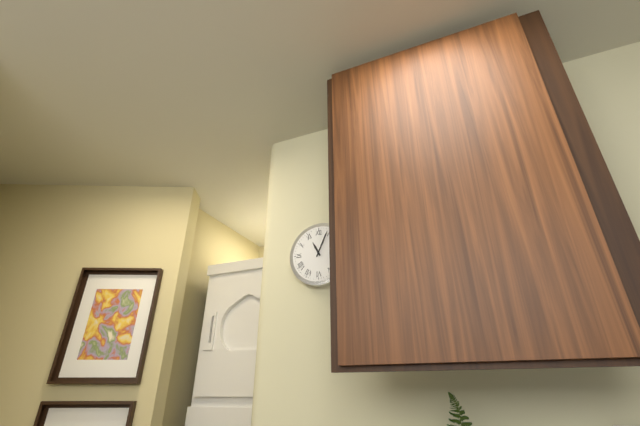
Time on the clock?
11:04
